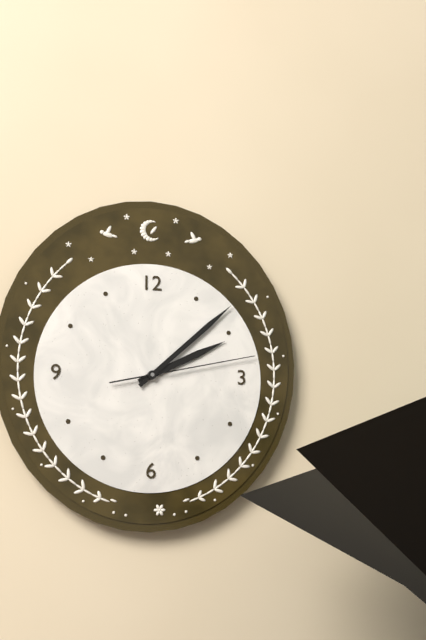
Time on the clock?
2:08:13
